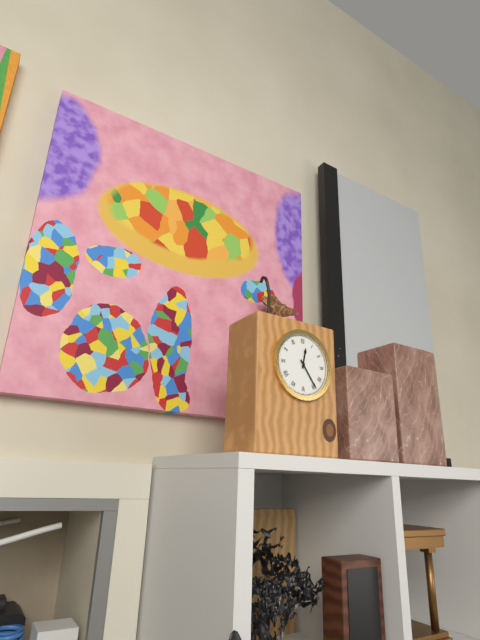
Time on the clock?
12:24
